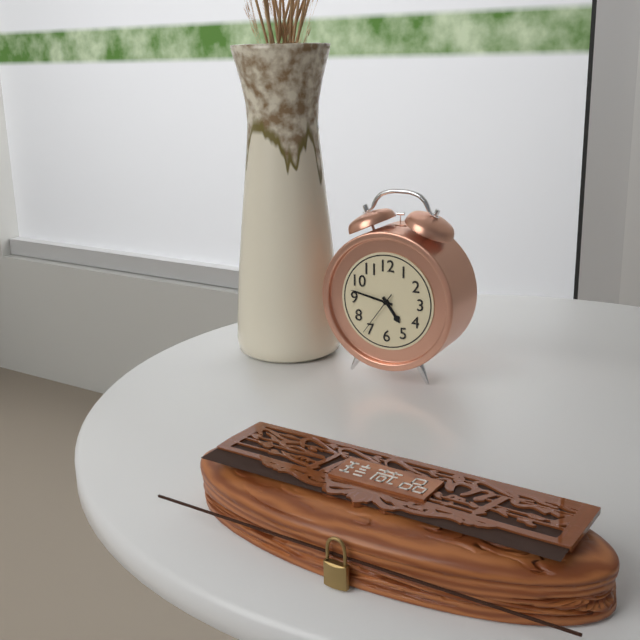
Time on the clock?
4:47
